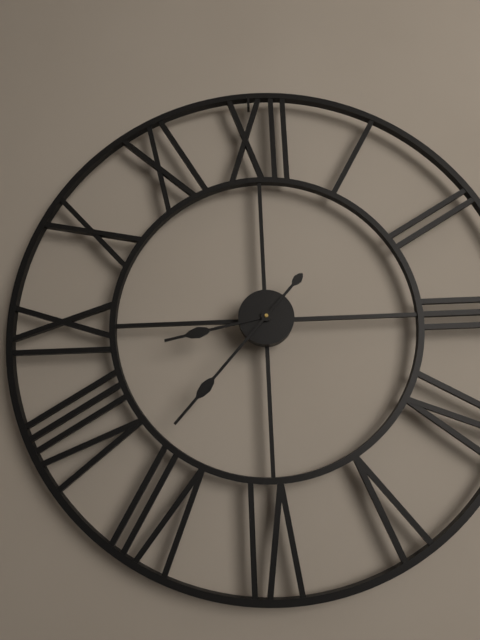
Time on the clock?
8:37
